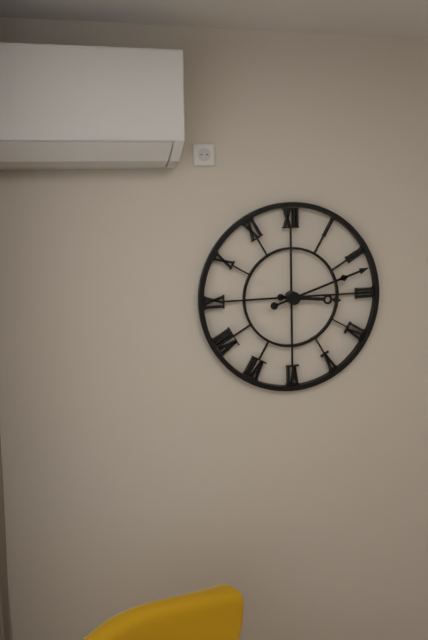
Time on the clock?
3:12
